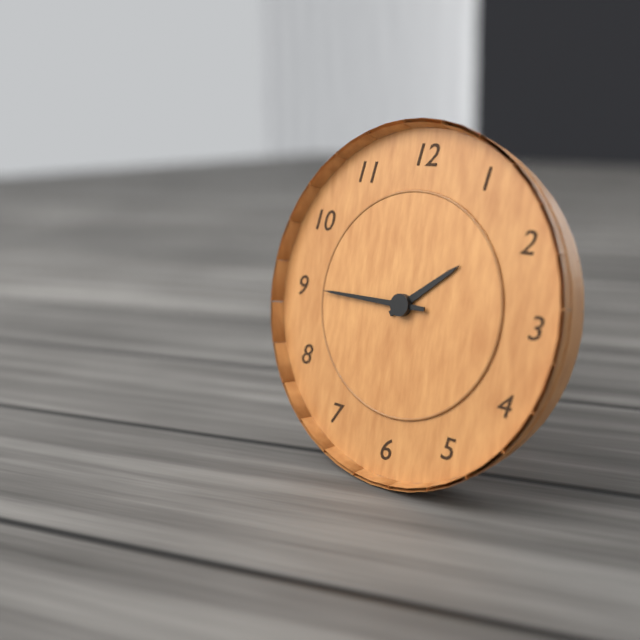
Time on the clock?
1:45
